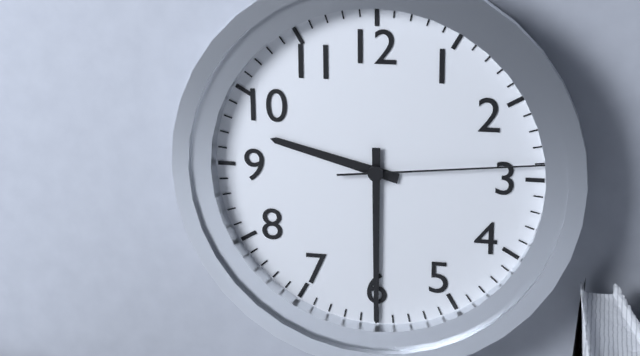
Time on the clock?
9:30:14
